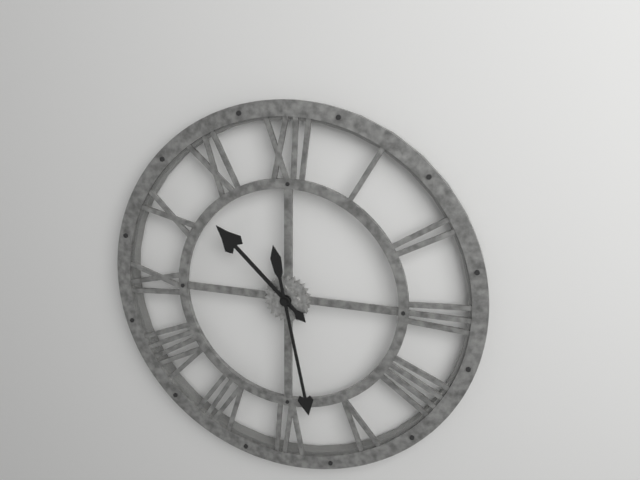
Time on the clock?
10:28
